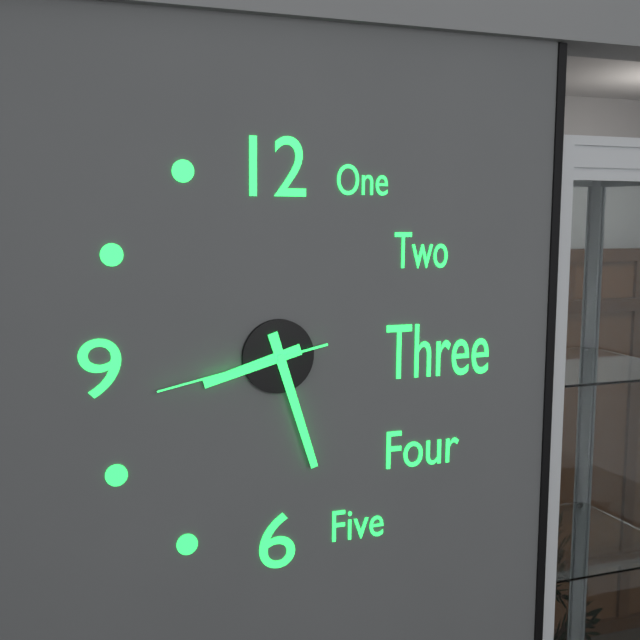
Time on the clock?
8:27:43
